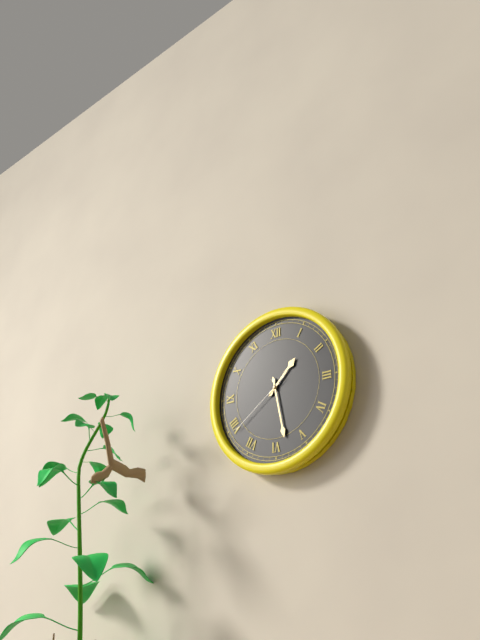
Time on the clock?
1:28:39
